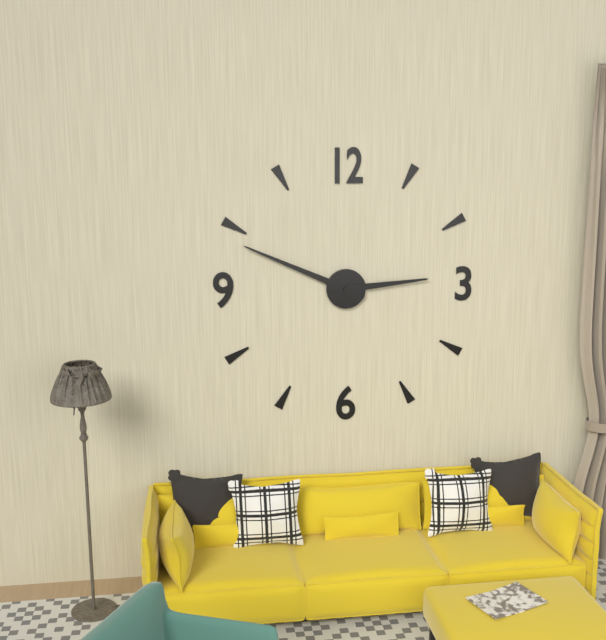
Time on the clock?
2:49
